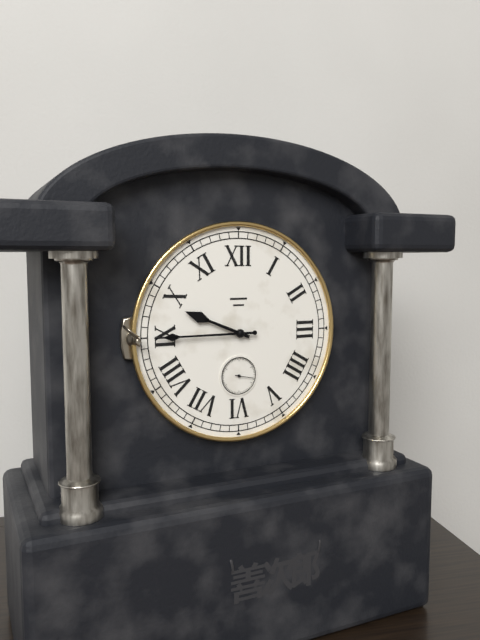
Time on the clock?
9:45
